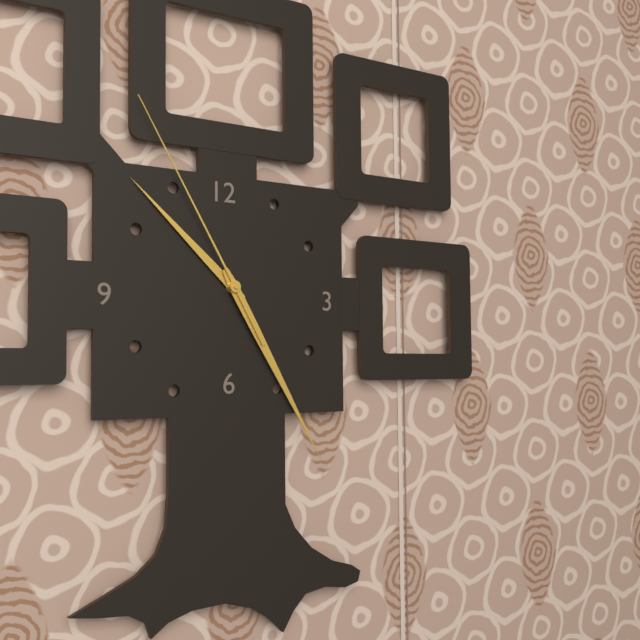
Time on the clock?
10:25:55
